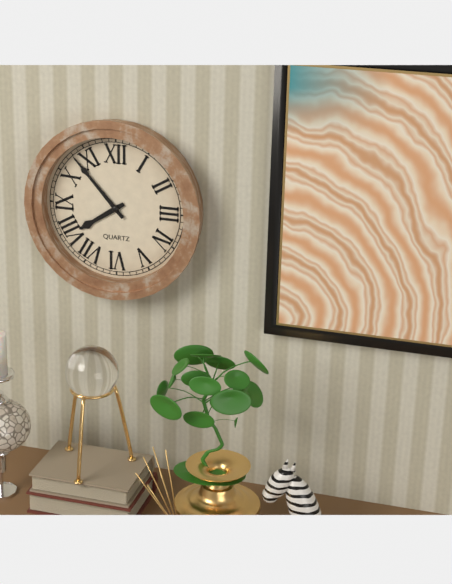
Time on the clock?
7:53
